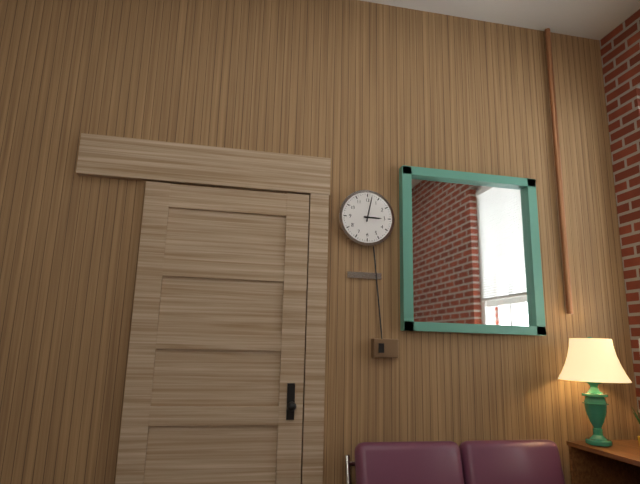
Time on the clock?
3:02
